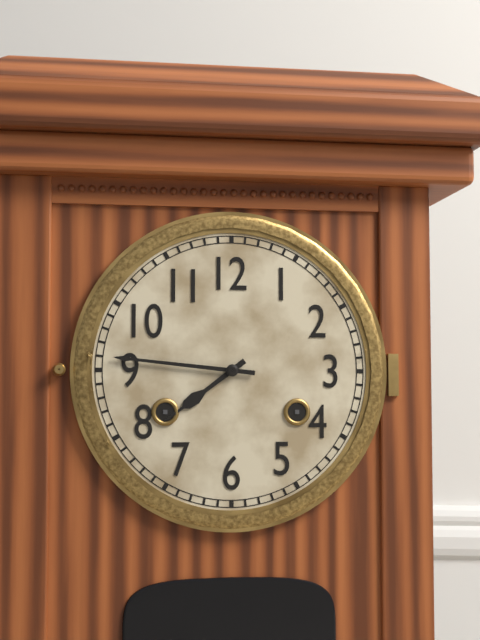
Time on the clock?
7:46
